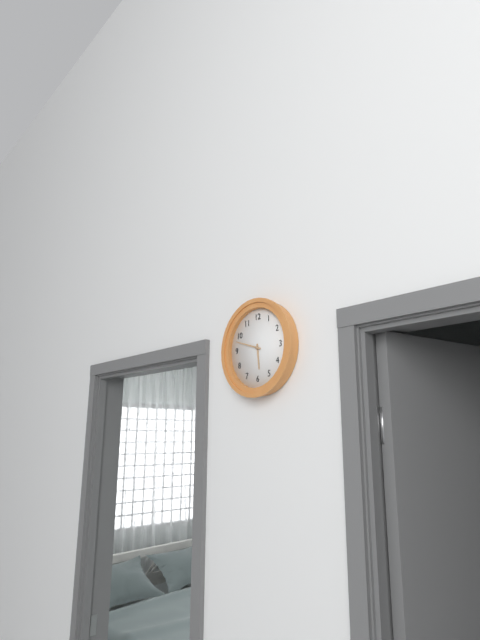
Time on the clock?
5:48
